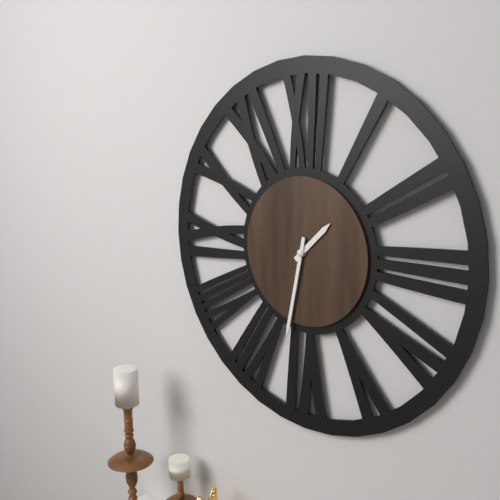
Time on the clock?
1:32
